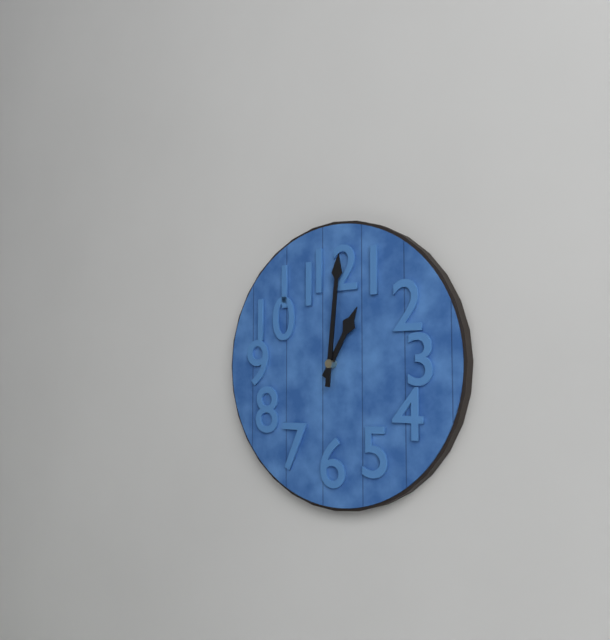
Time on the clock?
1:01
